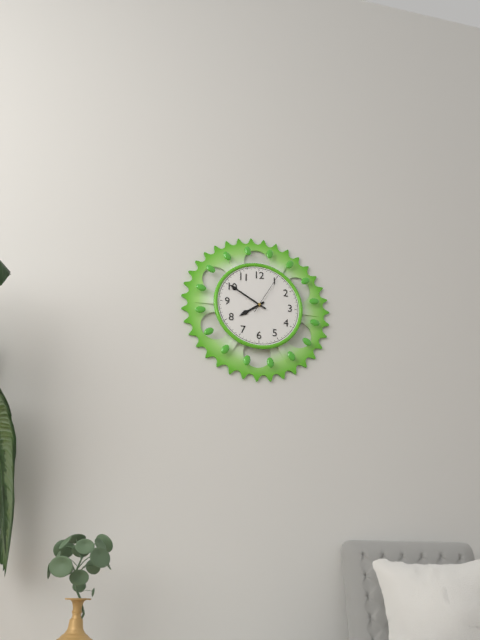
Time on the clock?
7:50
